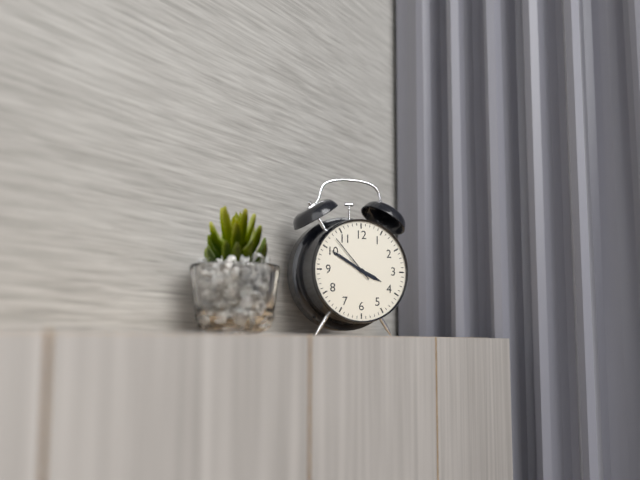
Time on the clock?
3:50
